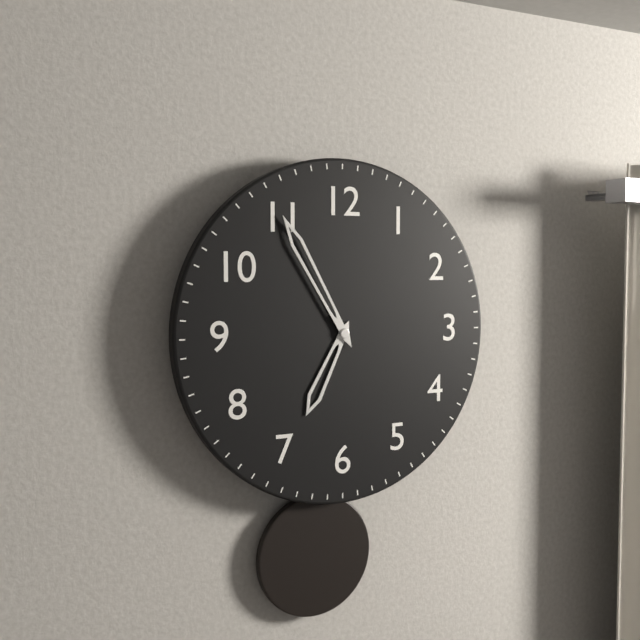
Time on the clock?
6:55
